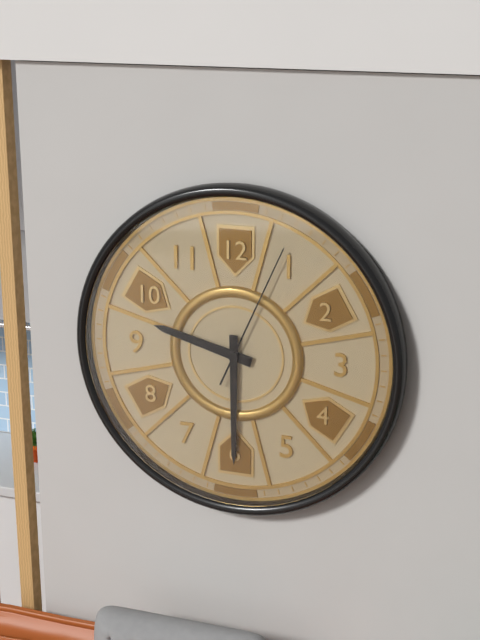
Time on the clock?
9:30:04
